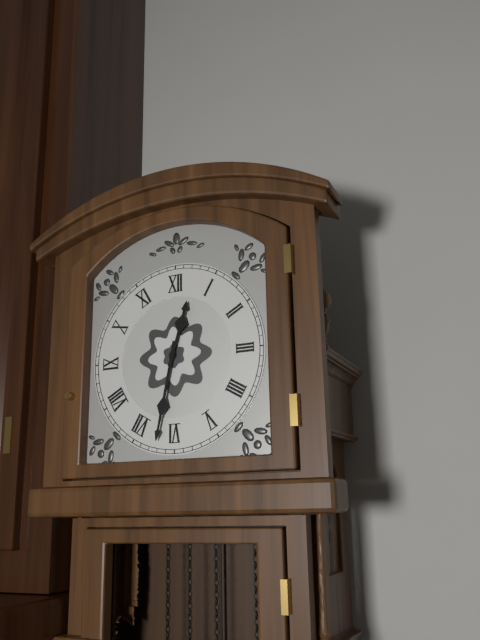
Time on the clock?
12:32
